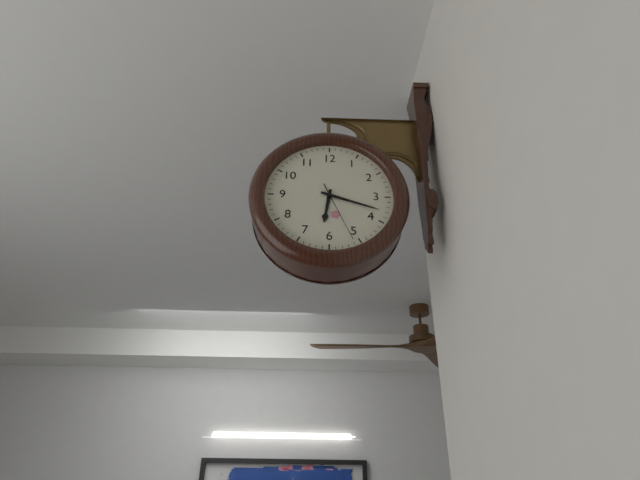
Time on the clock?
6:18:26
